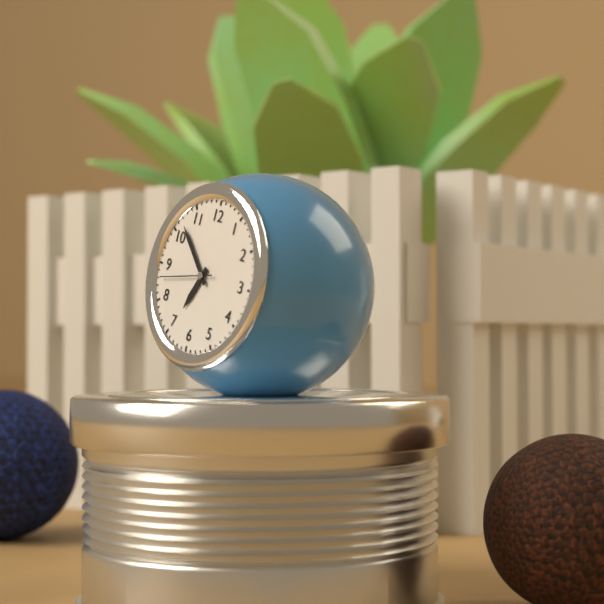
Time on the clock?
6:52:43
